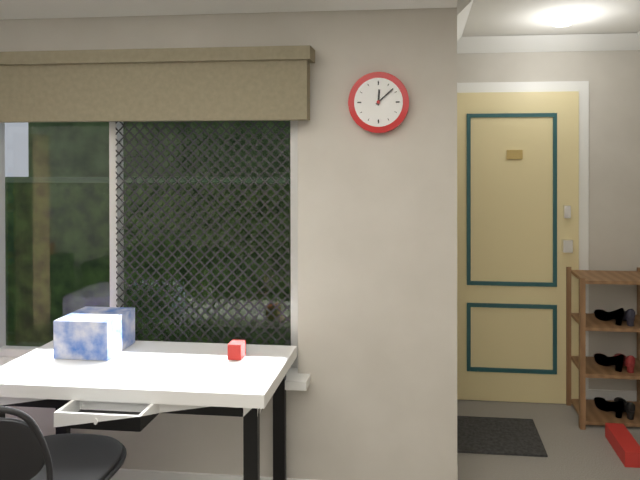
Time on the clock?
12:08
